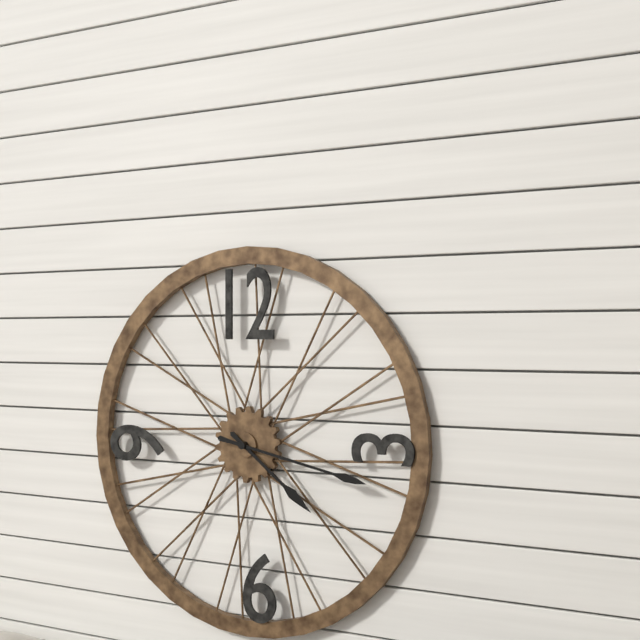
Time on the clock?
4:17
